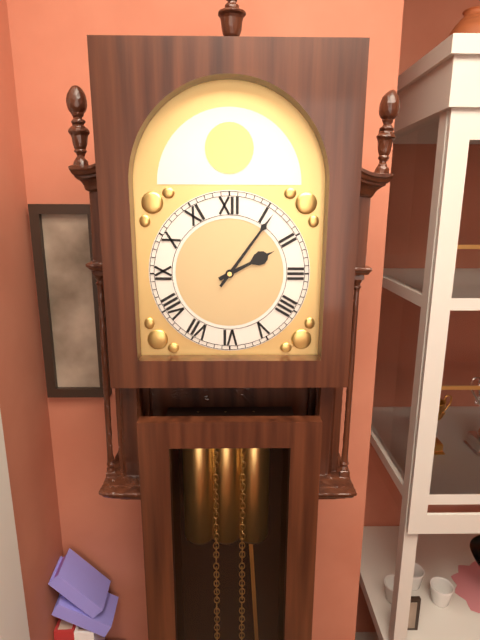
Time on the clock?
2:06
